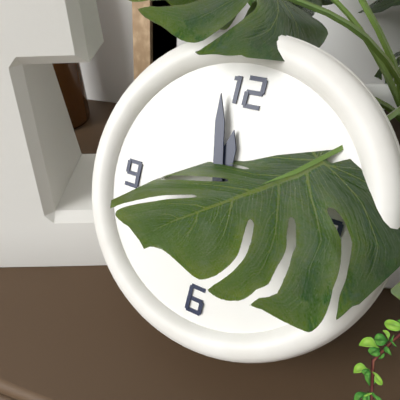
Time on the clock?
11:58
